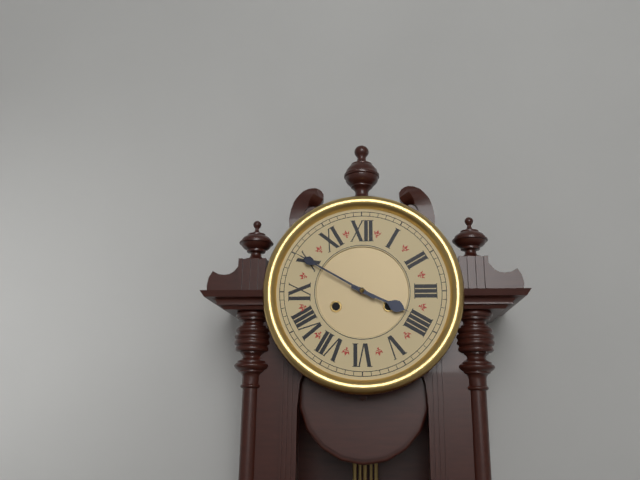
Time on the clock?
3:50
